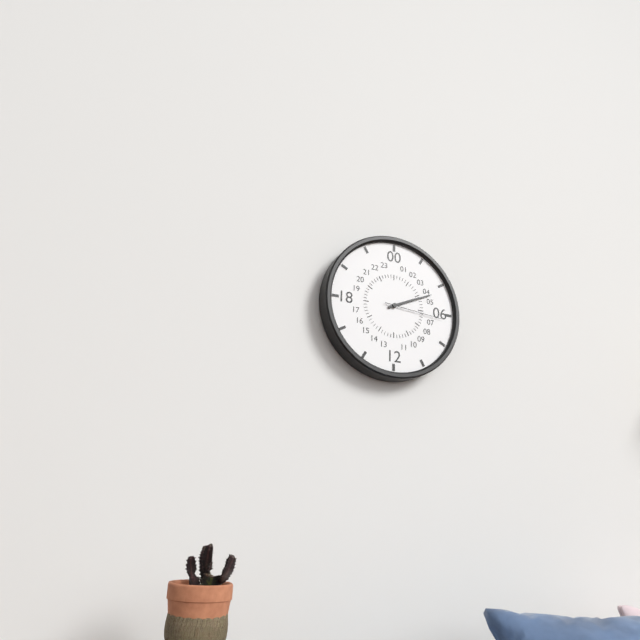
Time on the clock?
2:11:16
